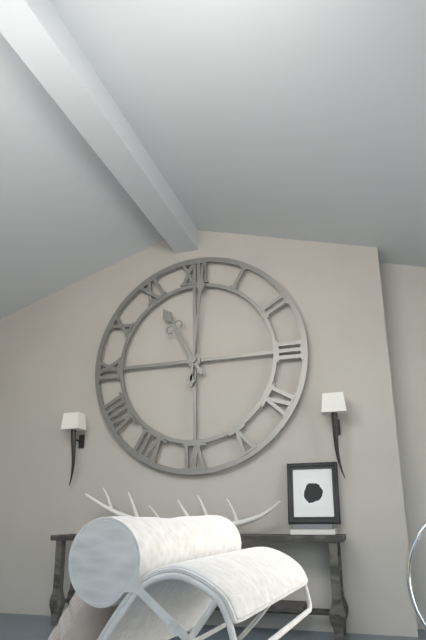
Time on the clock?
11:01
